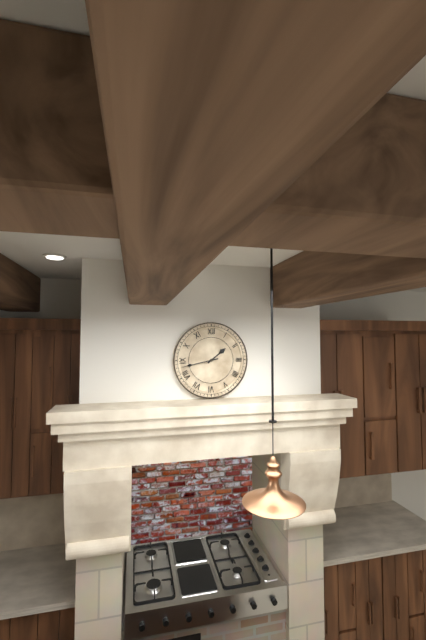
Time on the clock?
1:43
